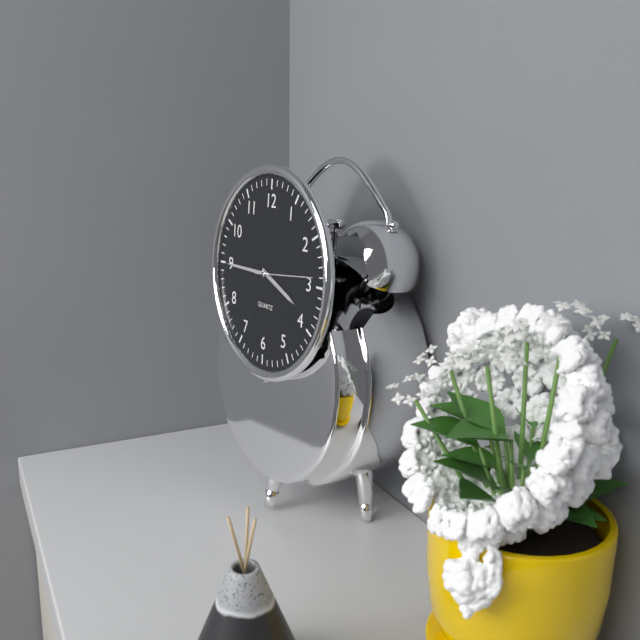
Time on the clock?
3:45:14
